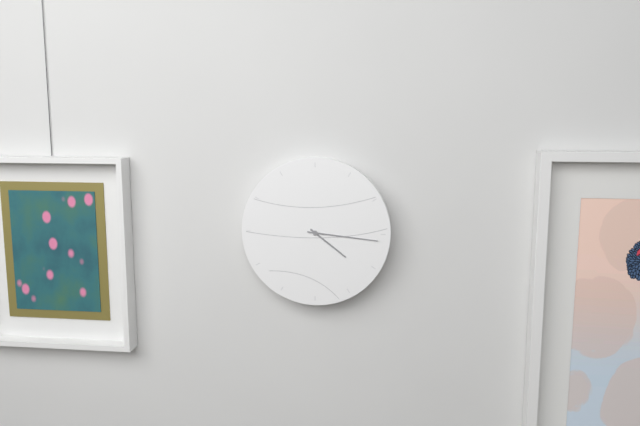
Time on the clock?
4:16
